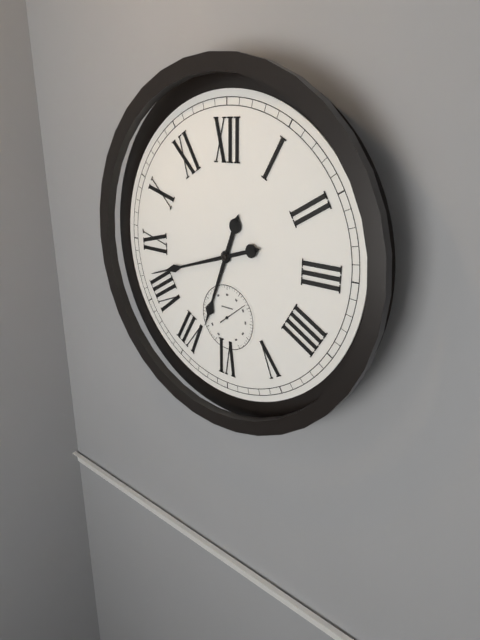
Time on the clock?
6:42
